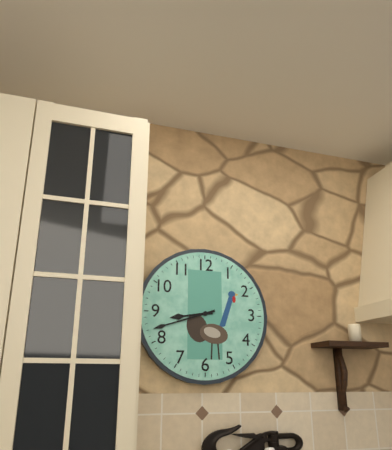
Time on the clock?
8:42
